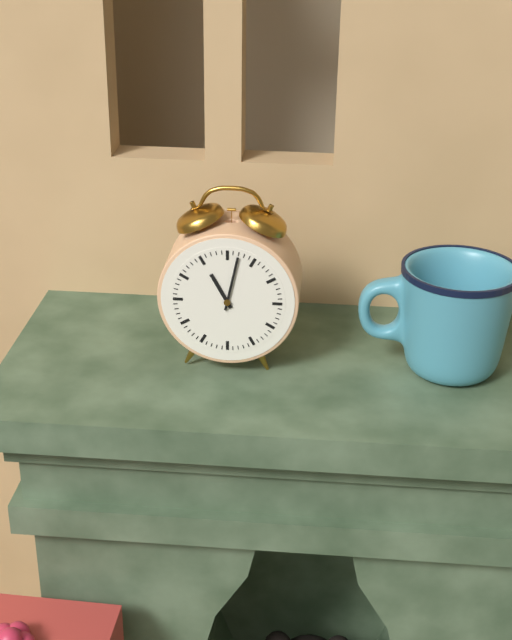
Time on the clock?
11:02
